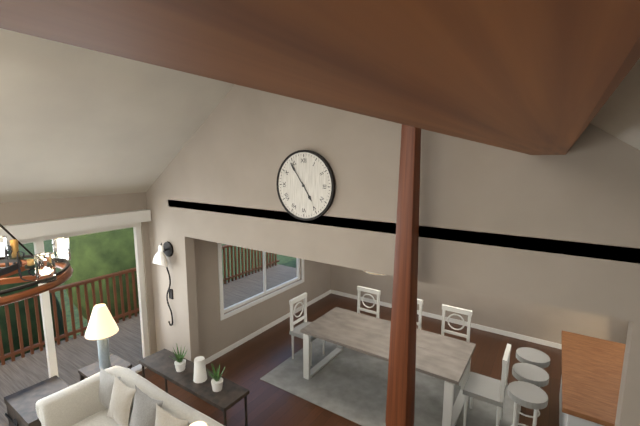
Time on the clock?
4:54
